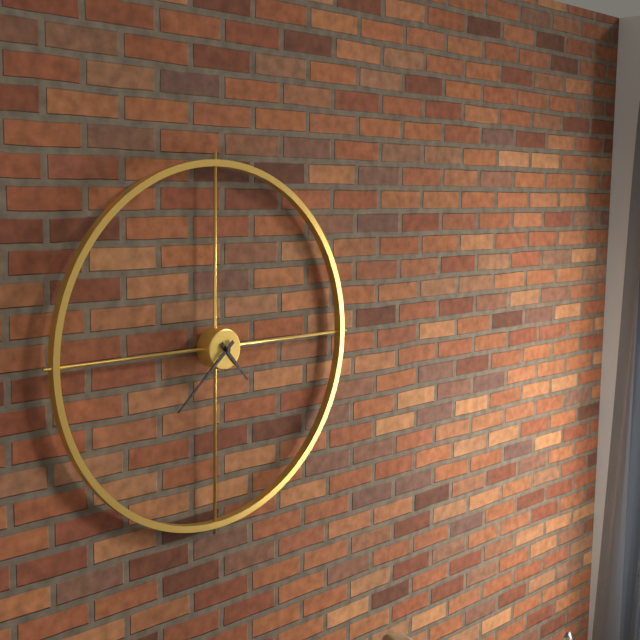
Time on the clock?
4:38
